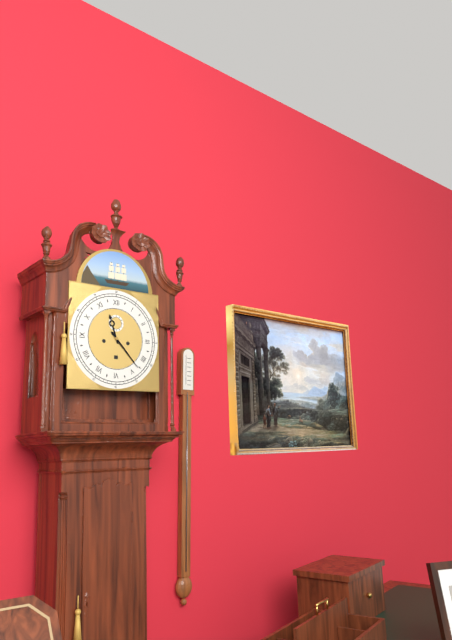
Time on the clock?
11:23
